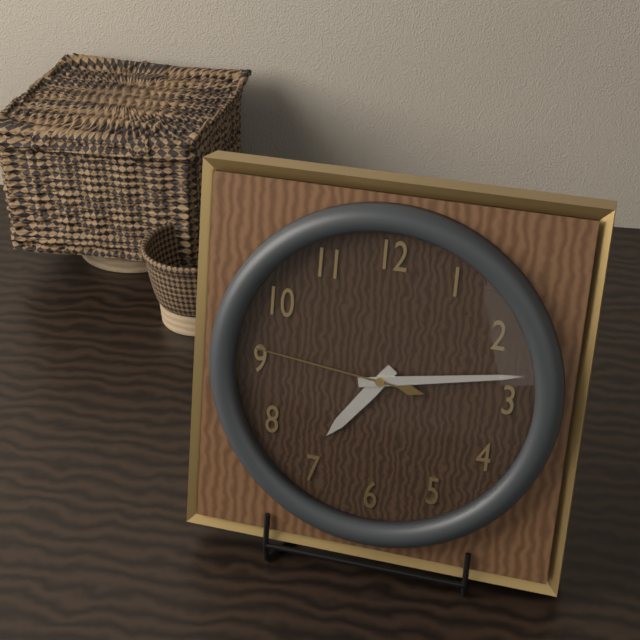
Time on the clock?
7:13:46
